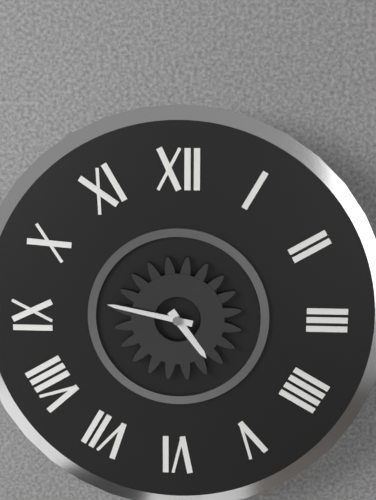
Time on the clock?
4:47
